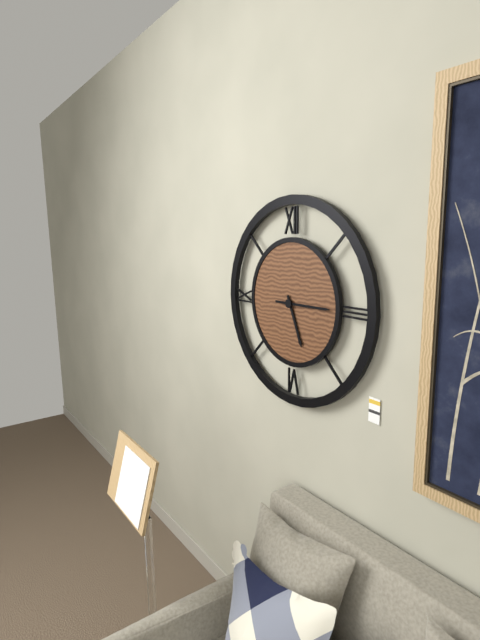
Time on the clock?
5:15
